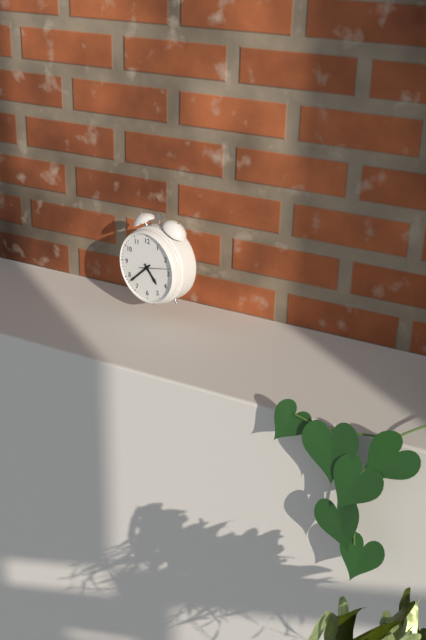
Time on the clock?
4:38
